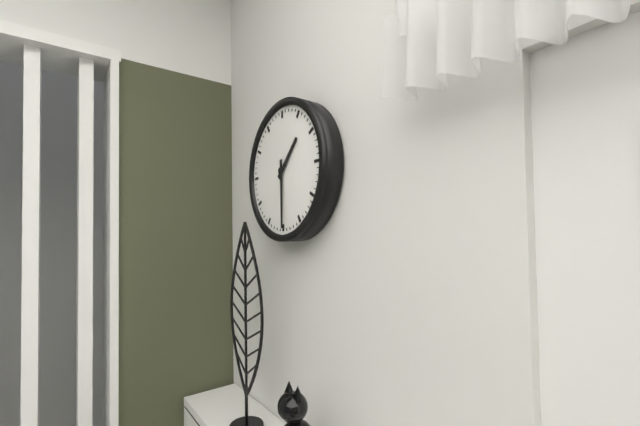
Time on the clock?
1:30
